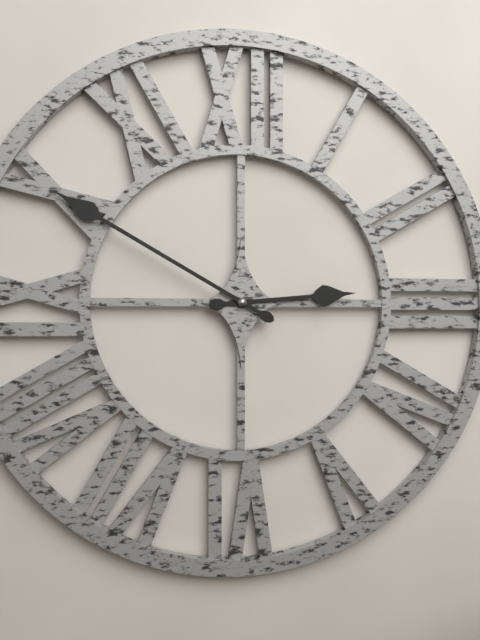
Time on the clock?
2:50
